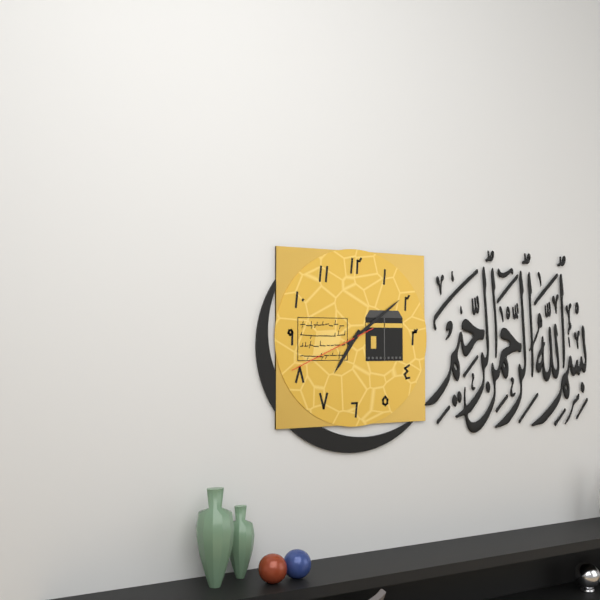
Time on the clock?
7:09:41
